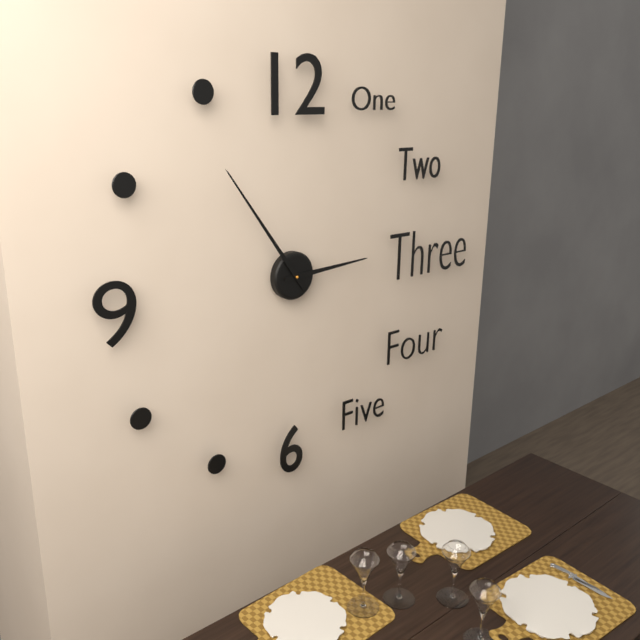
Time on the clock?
2:54
